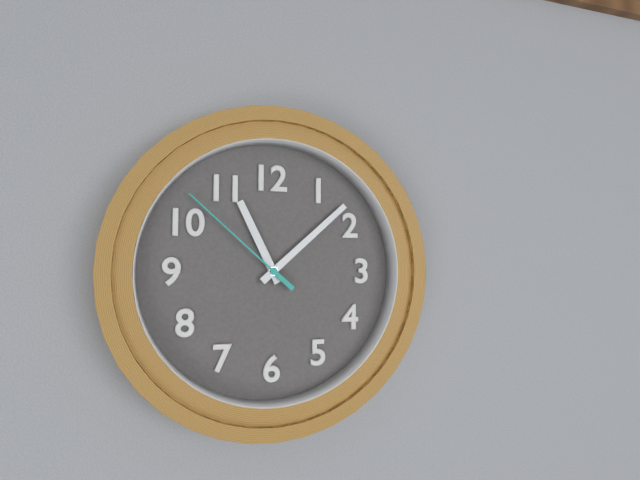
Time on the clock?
11:08:52
